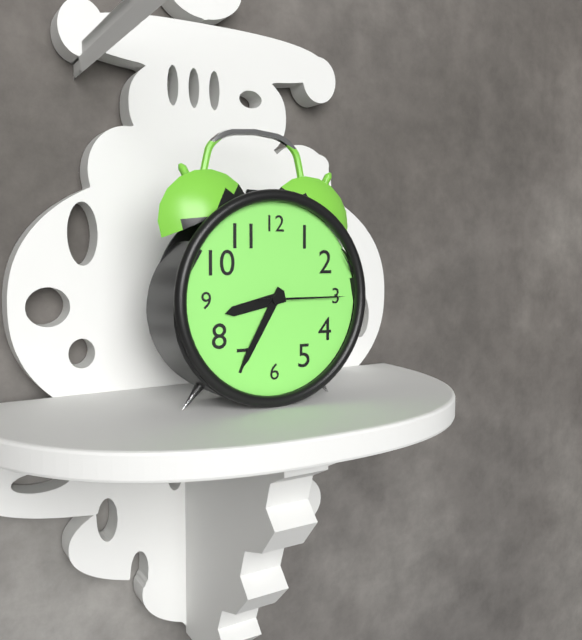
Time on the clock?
8:35:15
